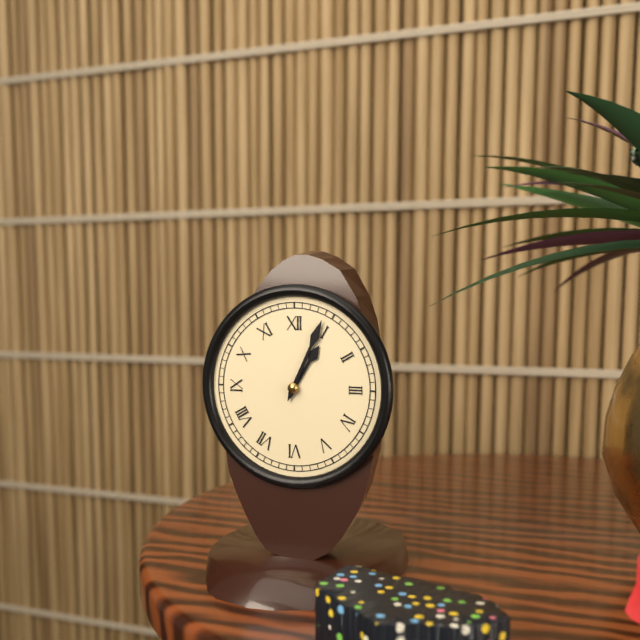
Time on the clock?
1:04
